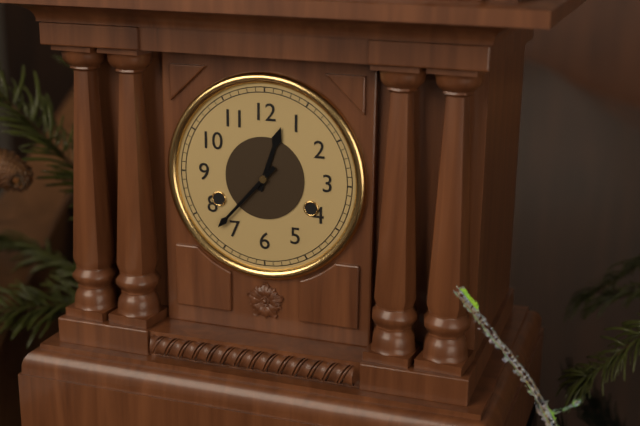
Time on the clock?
12:37
